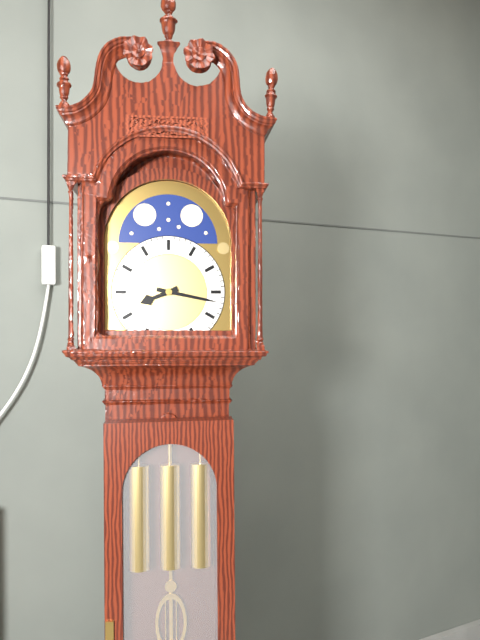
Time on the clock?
8:17
